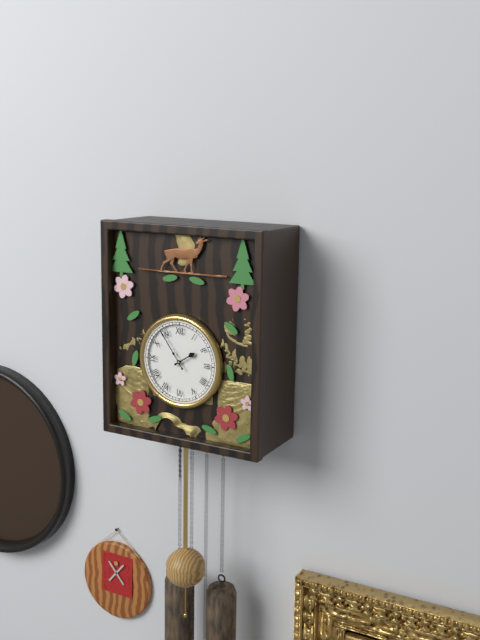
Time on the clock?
1:54
